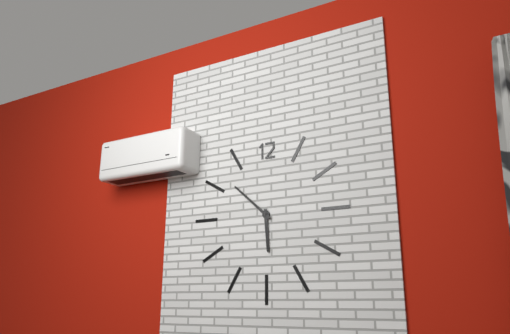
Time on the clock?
5:52
